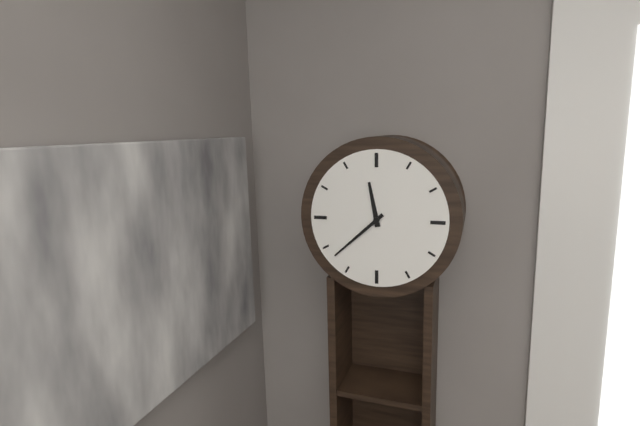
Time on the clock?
11:38
